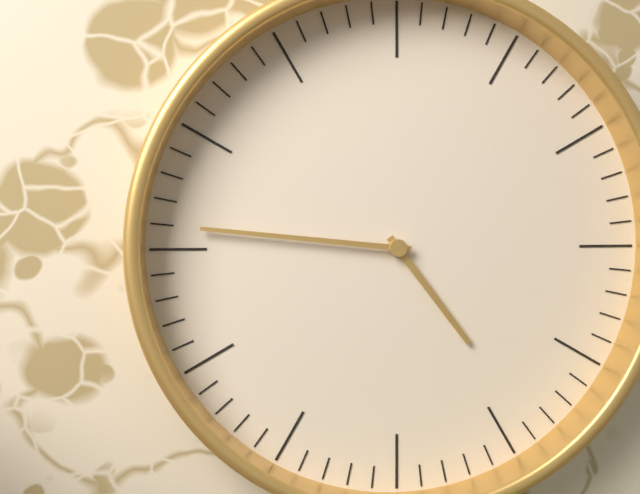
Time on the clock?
4:46
